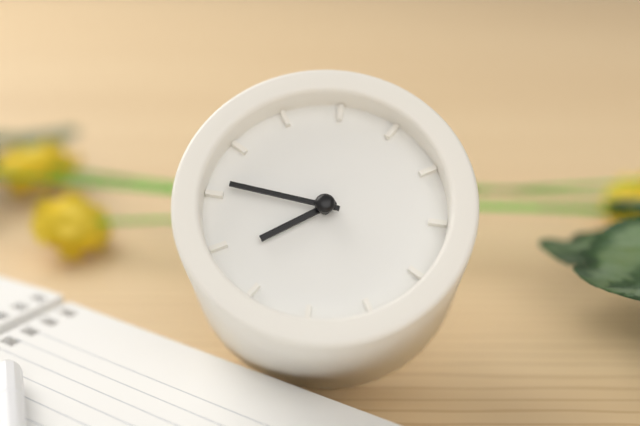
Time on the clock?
7:46
